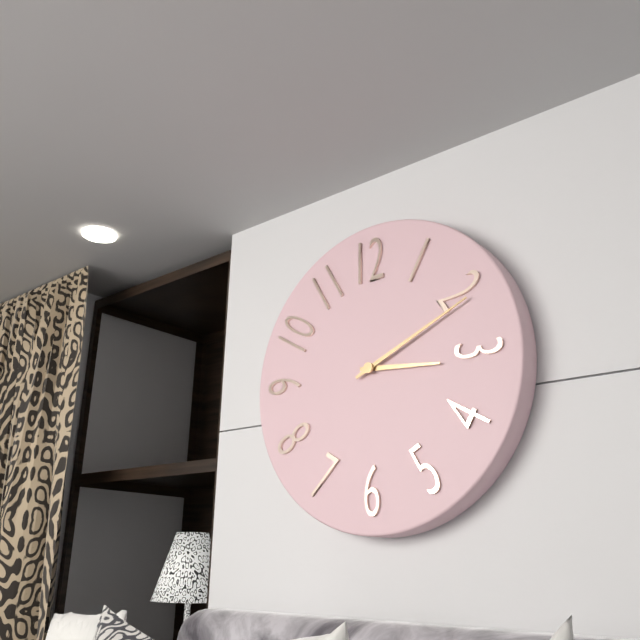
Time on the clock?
3:11
